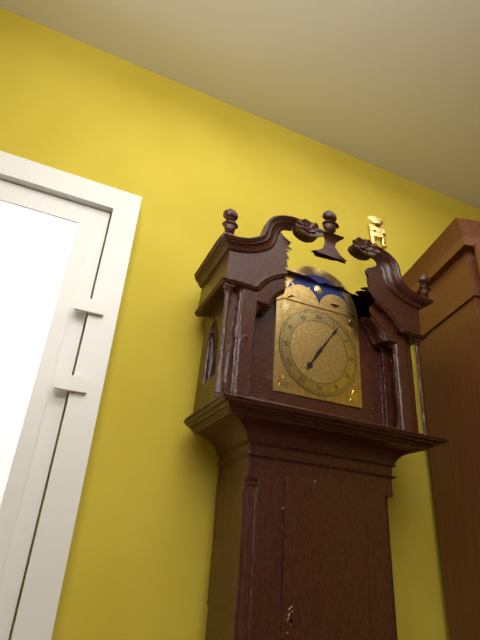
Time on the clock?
7:06
